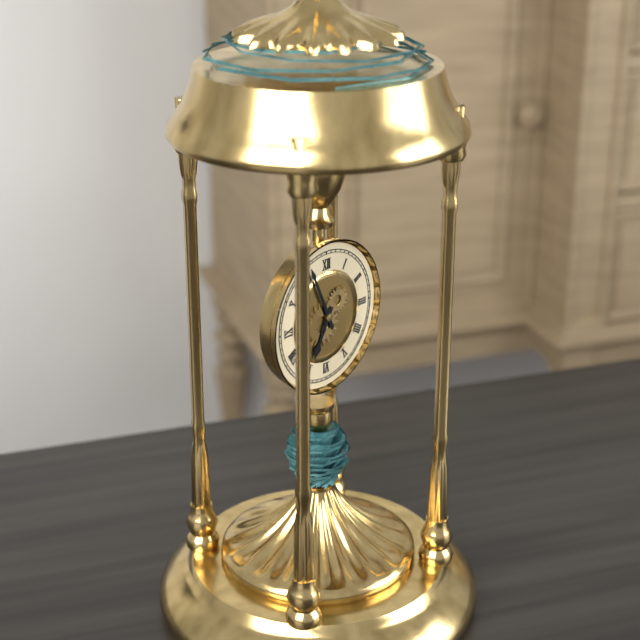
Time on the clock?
6:56
